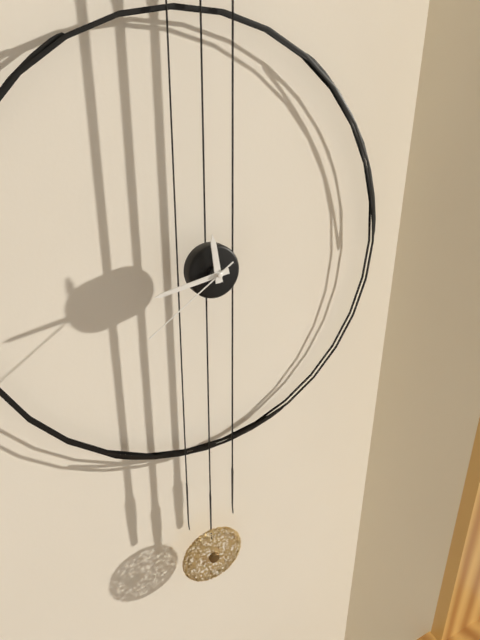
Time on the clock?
11:43:39
